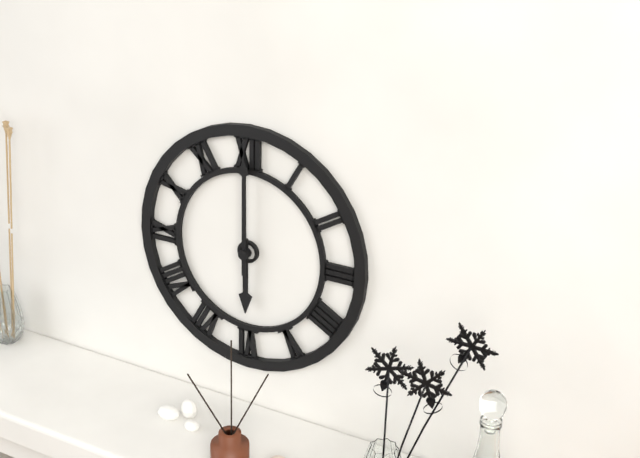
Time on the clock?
6:00
